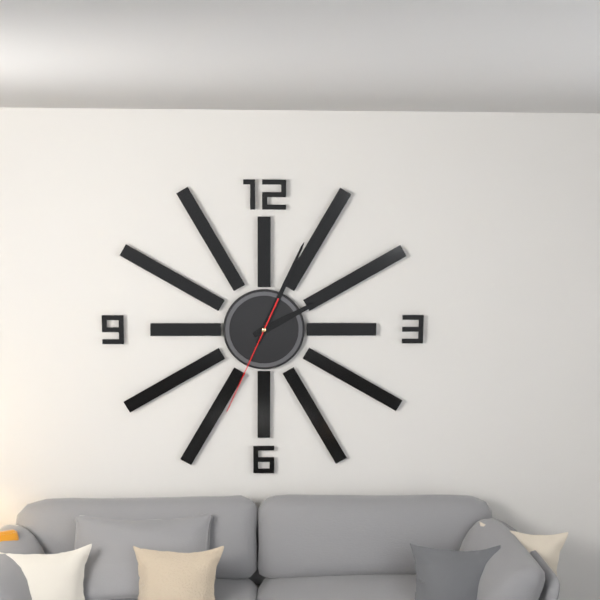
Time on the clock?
2:04:34
